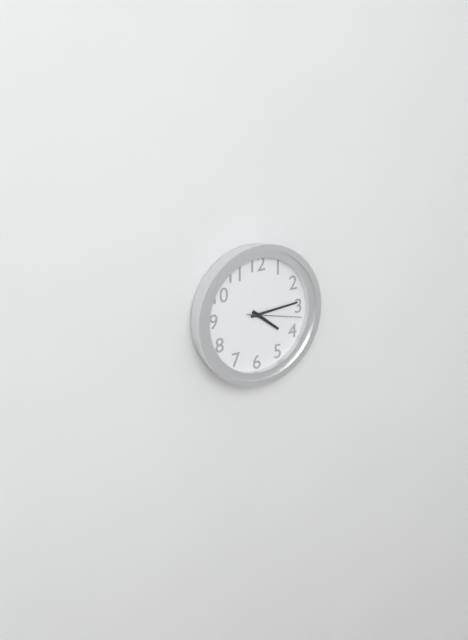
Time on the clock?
4:14:17
